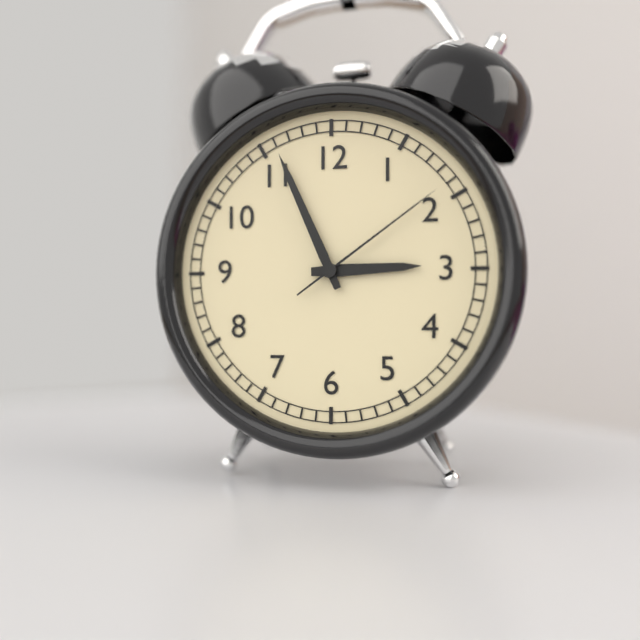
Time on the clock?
2:56:09
